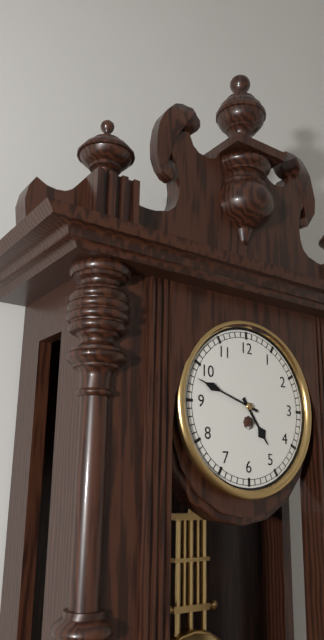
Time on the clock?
4:48
